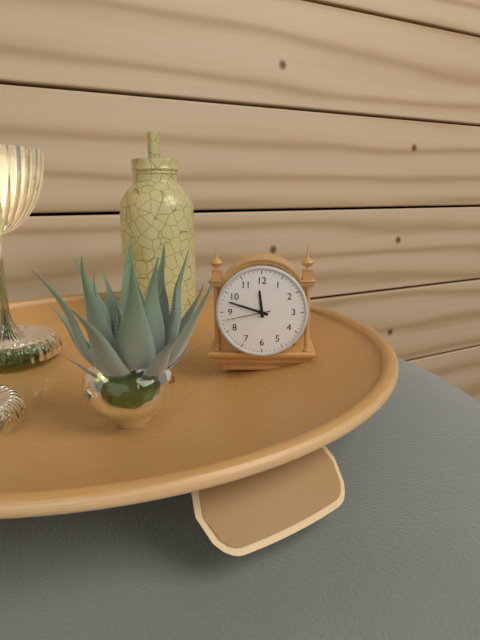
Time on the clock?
11:48
